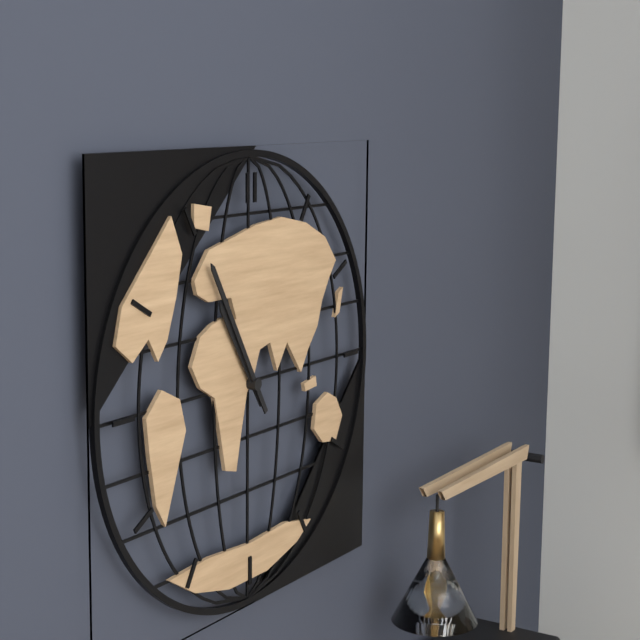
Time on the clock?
10:55
